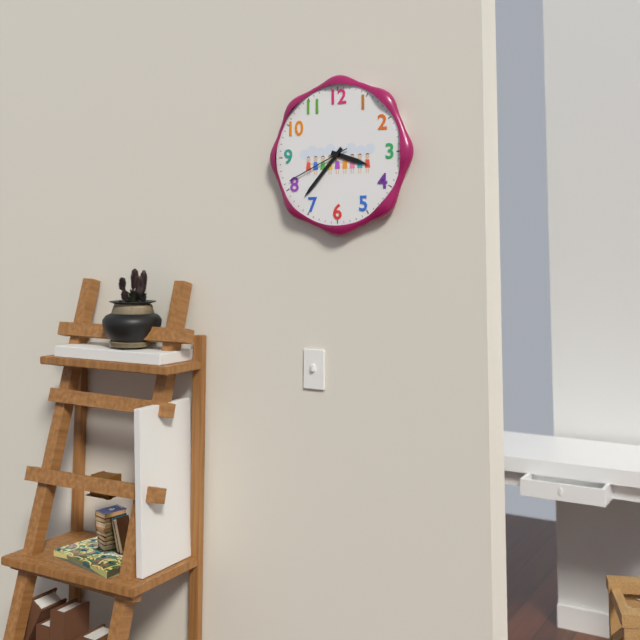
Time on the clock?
3:37:41
